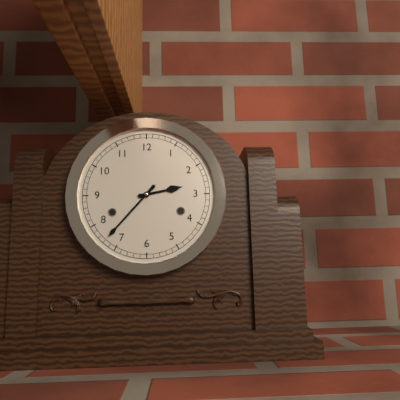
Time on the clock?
2:37
